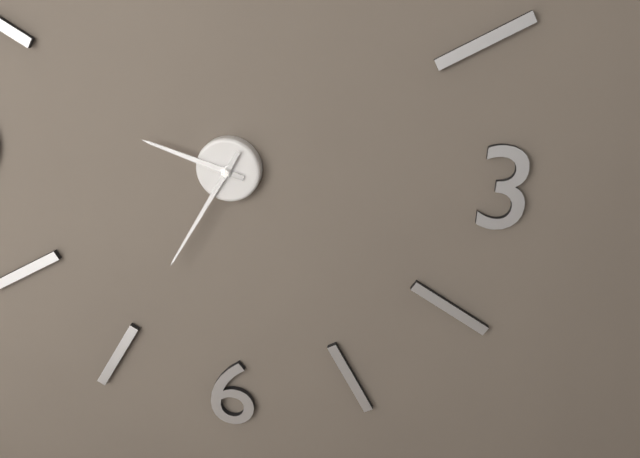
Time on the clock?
9:35
